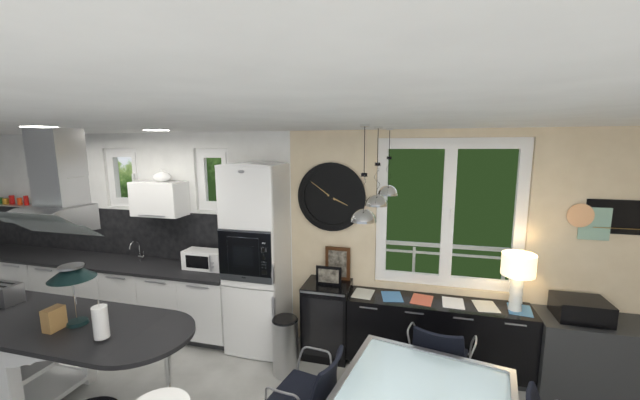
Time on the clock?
3:51
